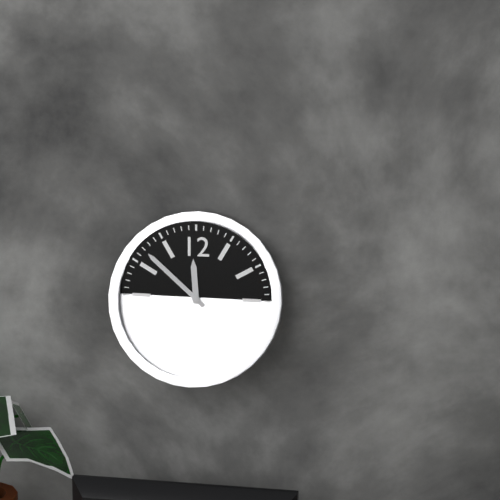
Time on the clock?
11:52
